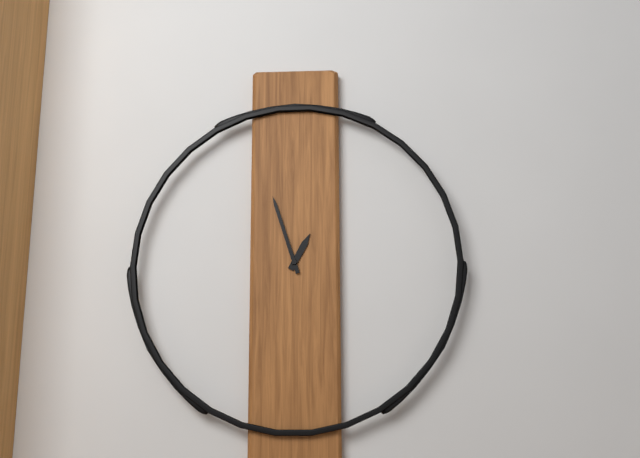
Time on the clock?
12:57
